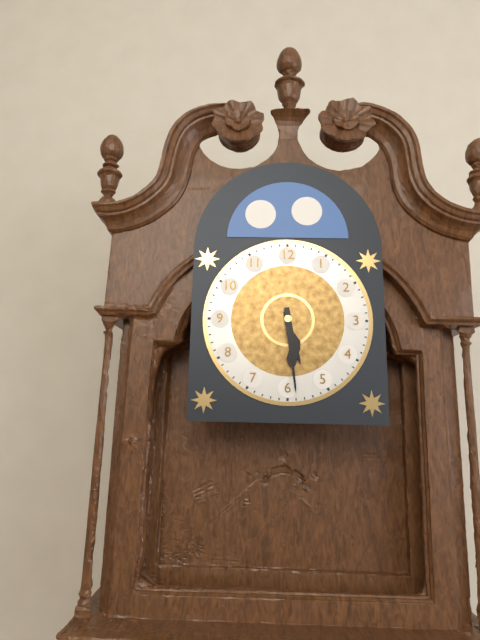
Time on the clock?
5:29
